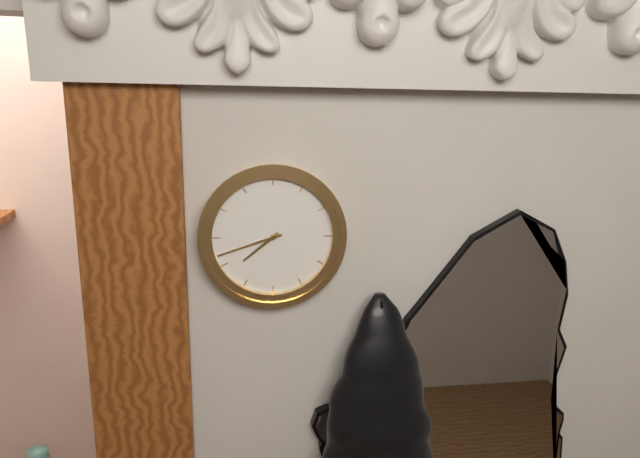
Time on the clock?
7:42
